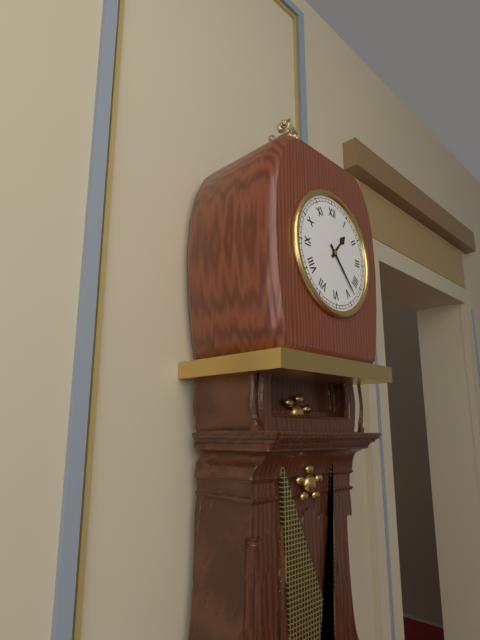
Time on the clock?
1:23
